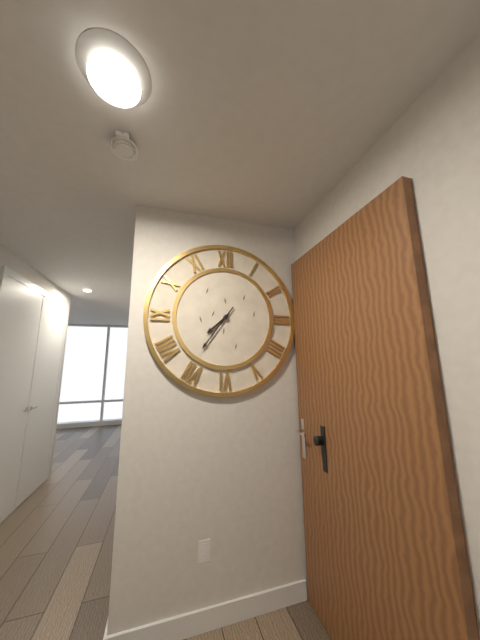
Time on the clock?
7:36
